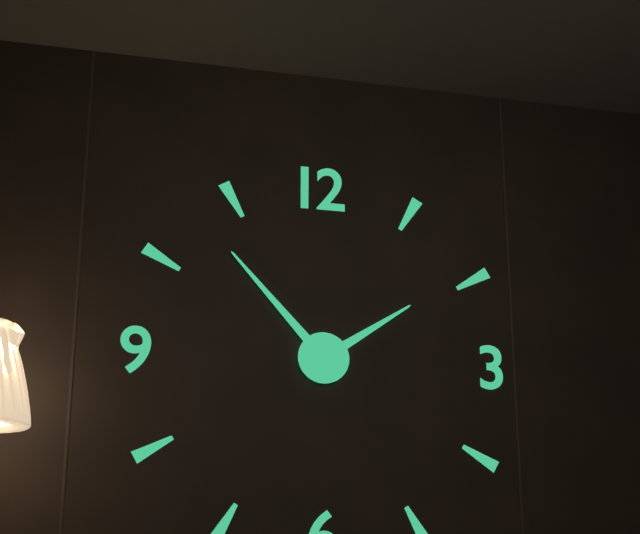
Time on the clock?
1:53
